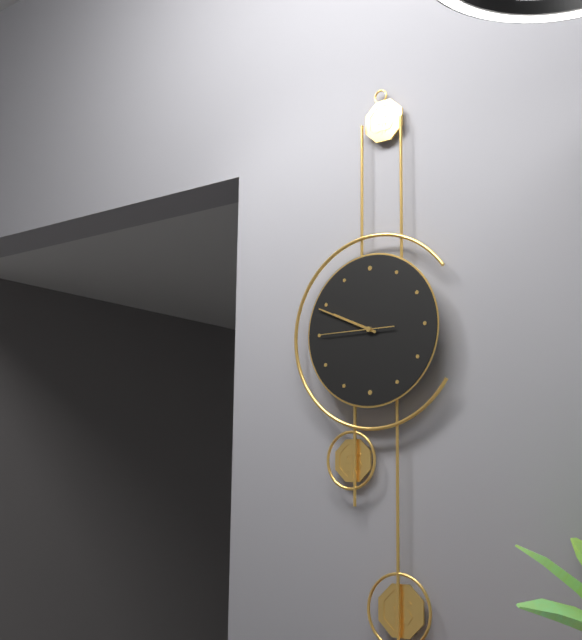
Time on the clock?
9:49:45
